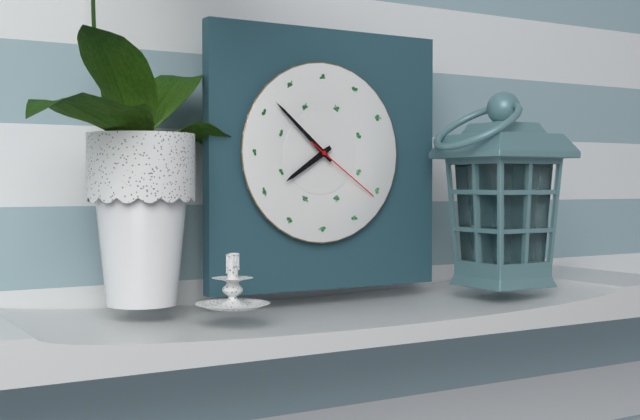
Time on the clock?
7:52:21
